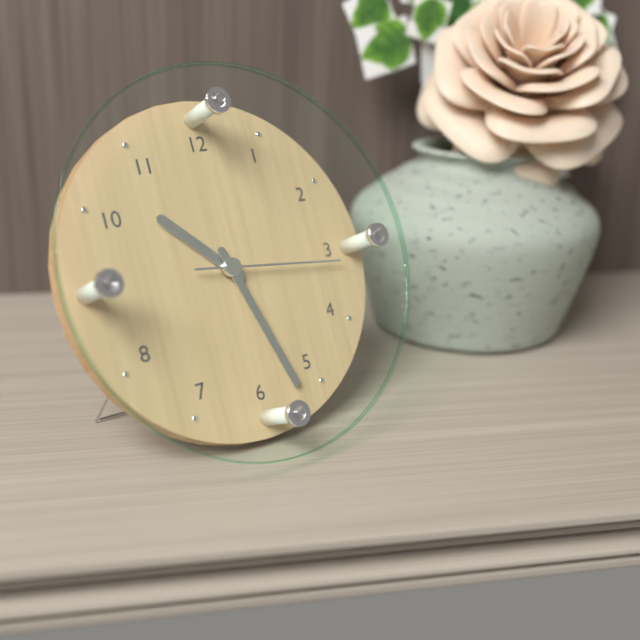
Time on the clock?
10:27:16
